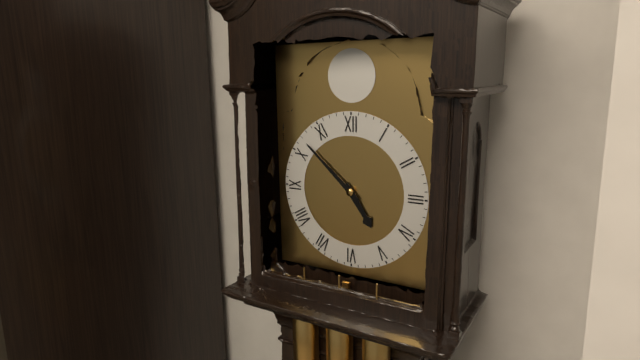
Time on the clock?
4:52
